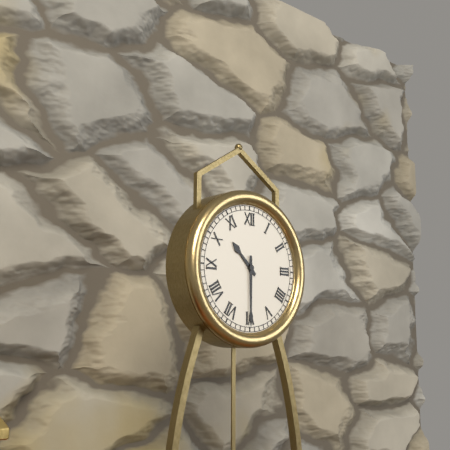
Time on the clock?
10:30
